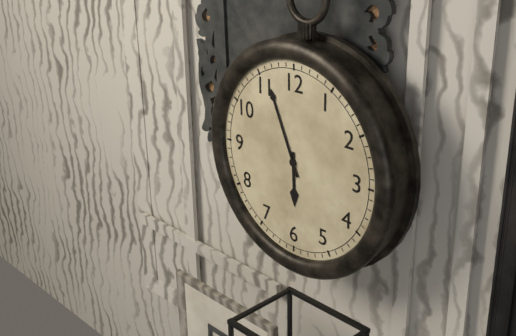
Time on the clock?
5:56
